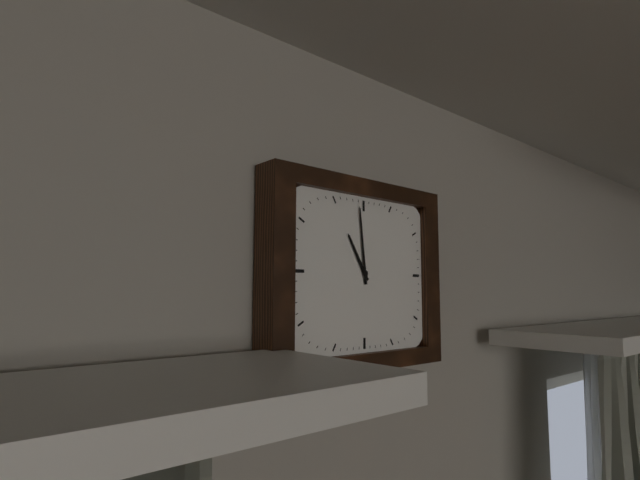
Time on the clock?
10:59
